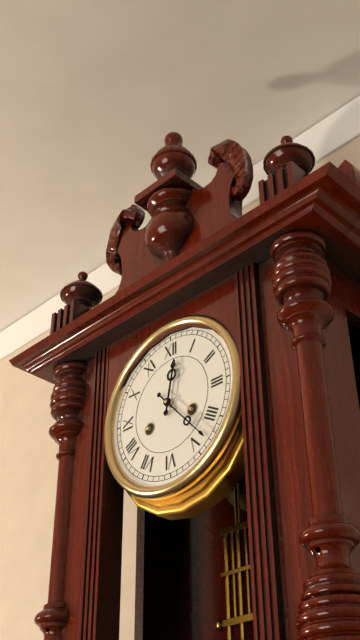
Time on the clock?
12:23
